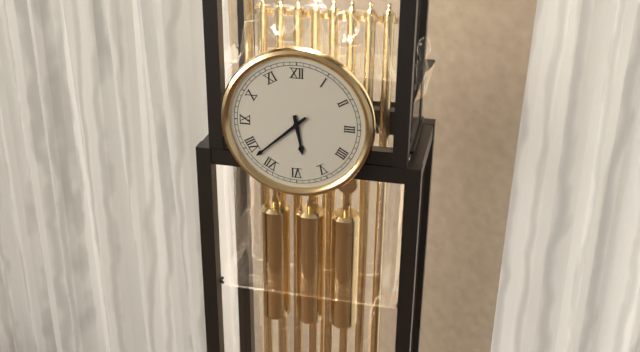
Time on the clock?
5:38
